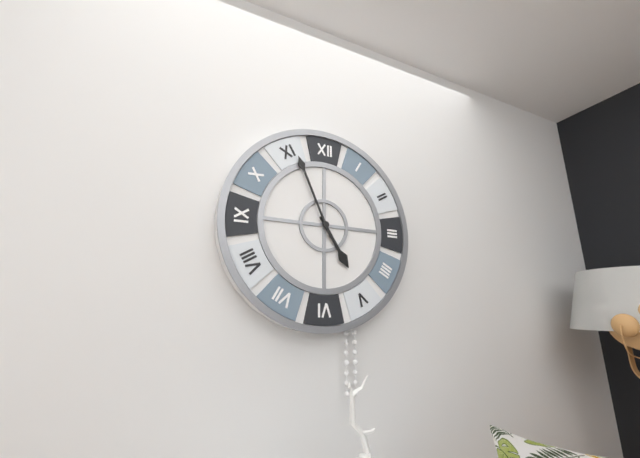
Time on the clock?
4:56
